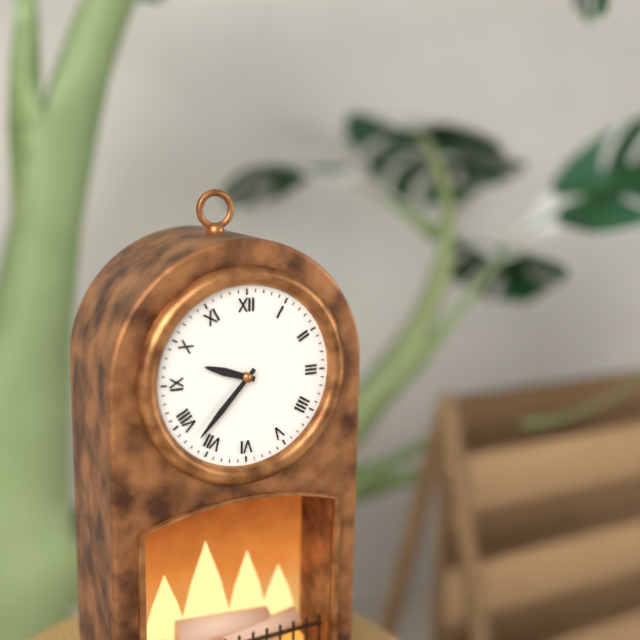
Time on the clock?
9:37
